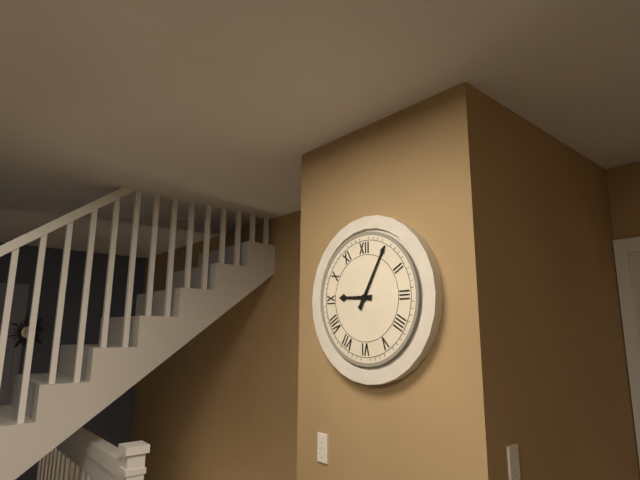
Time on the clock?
9:05
